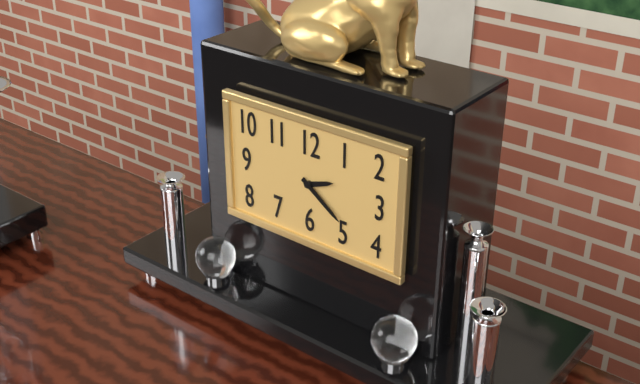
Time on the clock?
2:21
